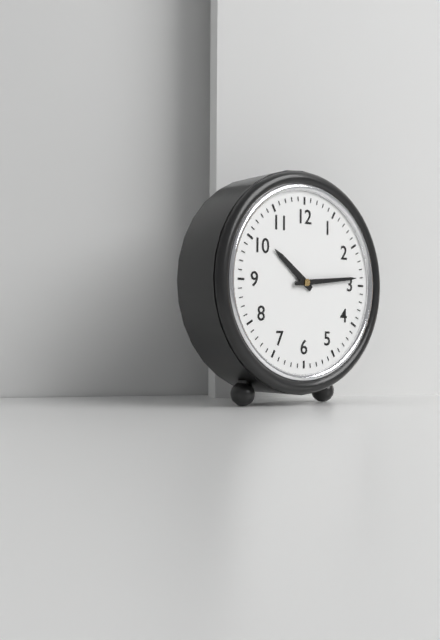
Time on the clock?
10:14
